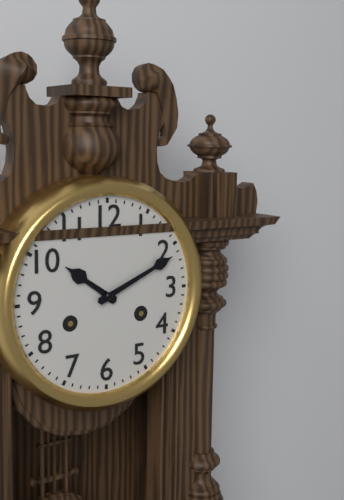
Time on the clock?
10:11
